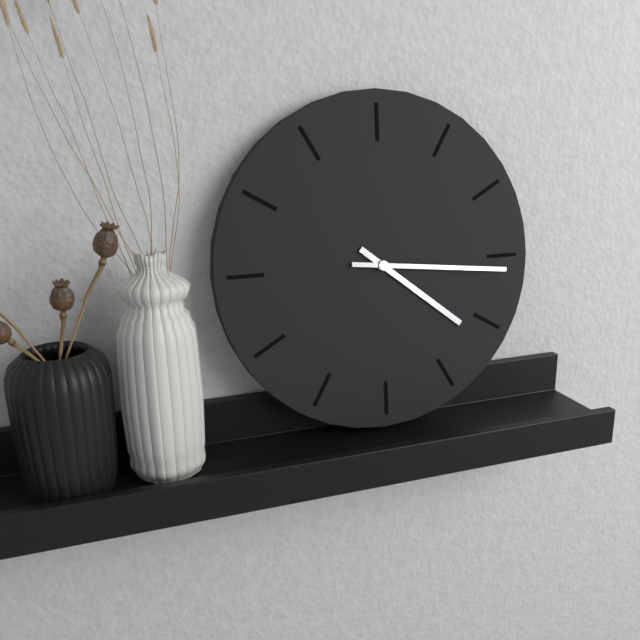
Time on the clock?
4:16
